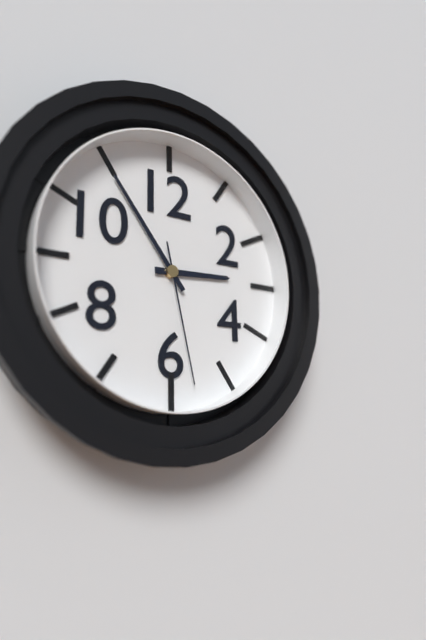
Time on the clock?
2:54:28
